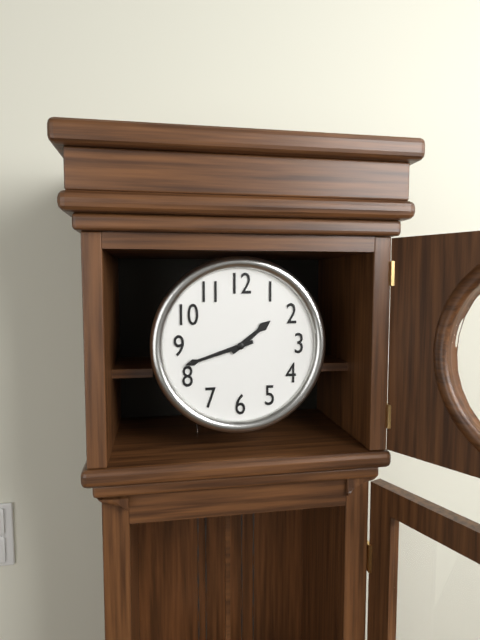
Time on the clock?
1:42
